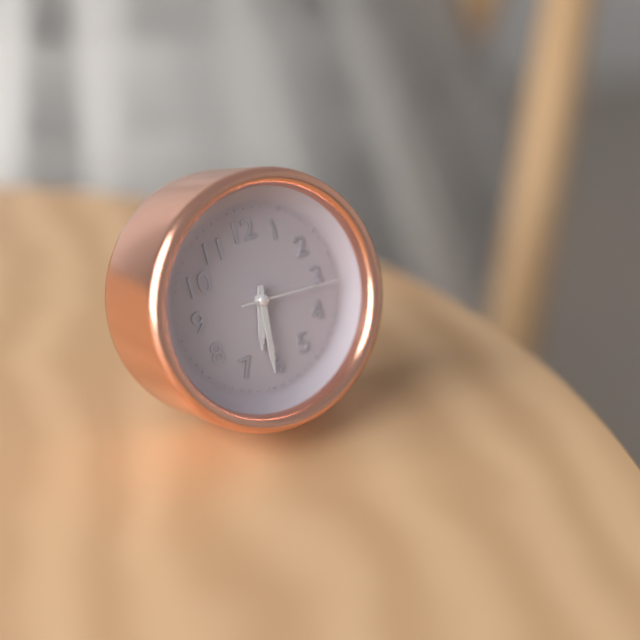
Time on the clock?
6:31:16
